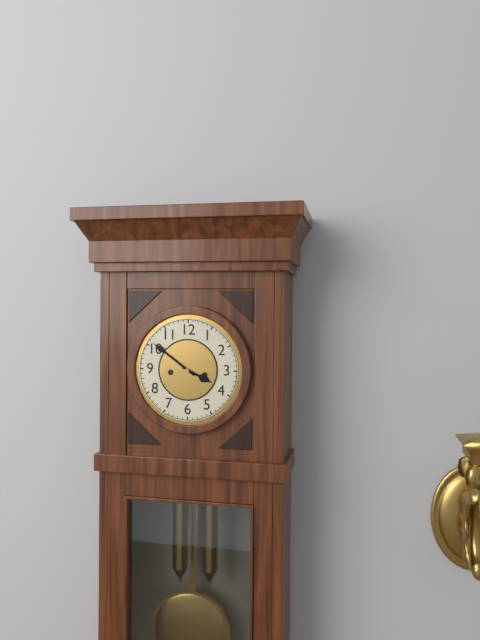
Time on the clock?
3:51
